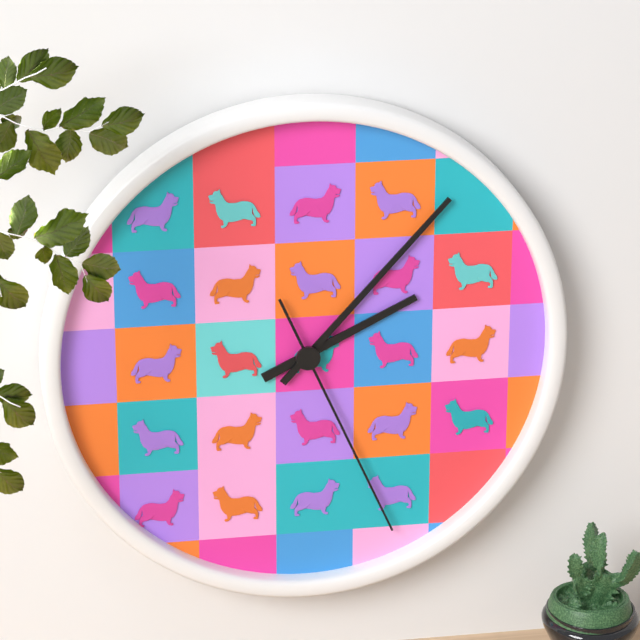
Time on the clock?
2:07:26
